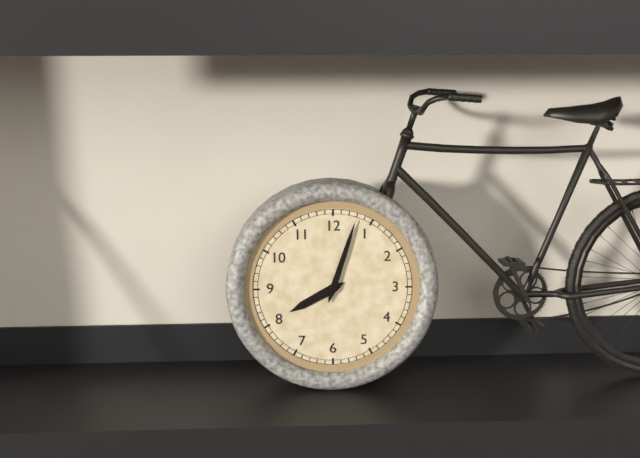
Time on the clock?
8:03
